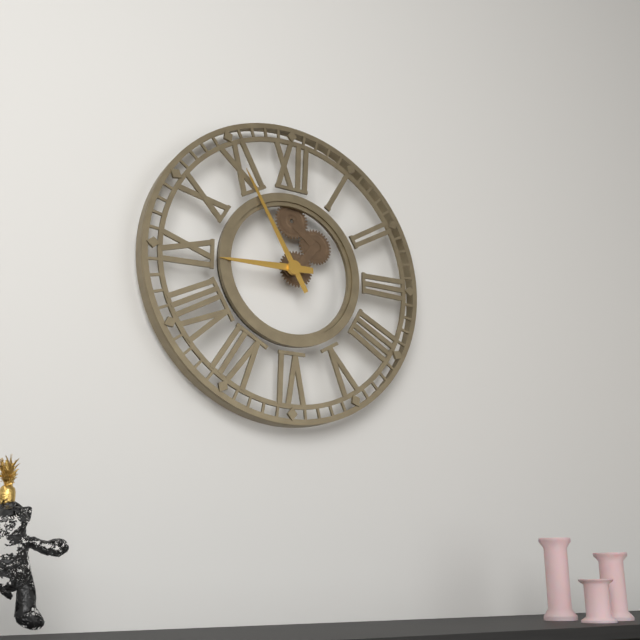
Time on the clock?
8:55
